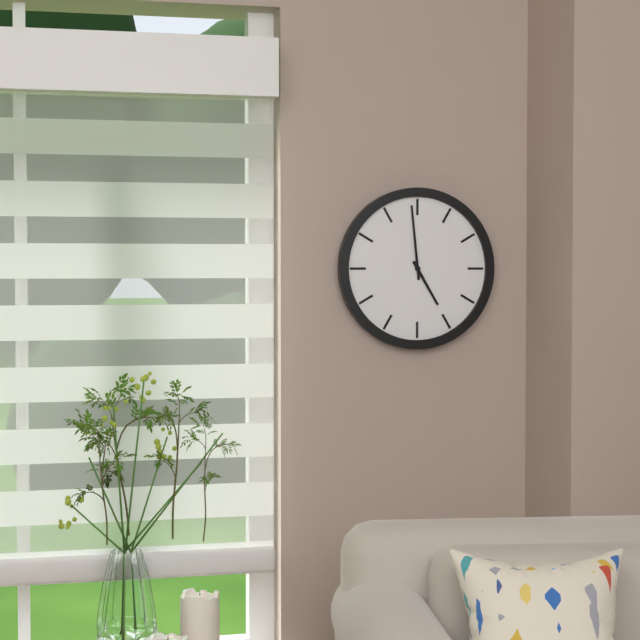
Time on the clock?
4:59
